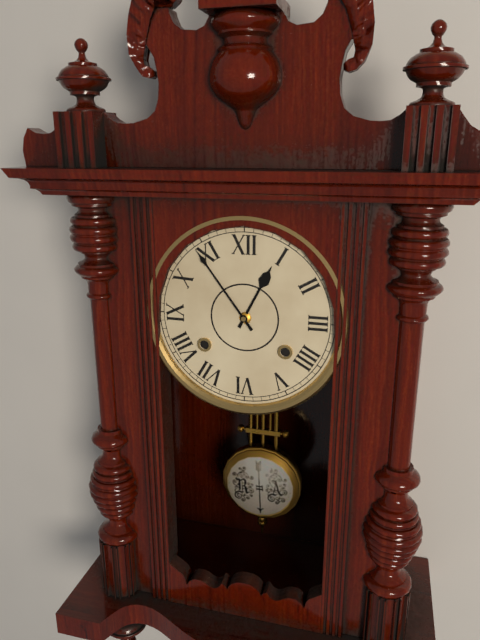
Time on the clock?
12:54
